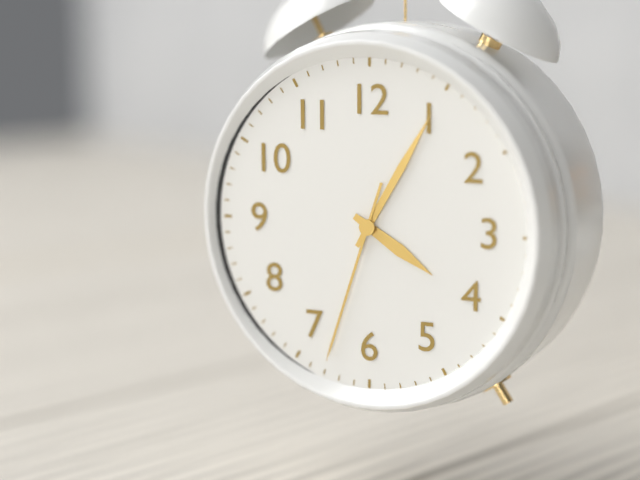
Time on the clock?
4:05:33
